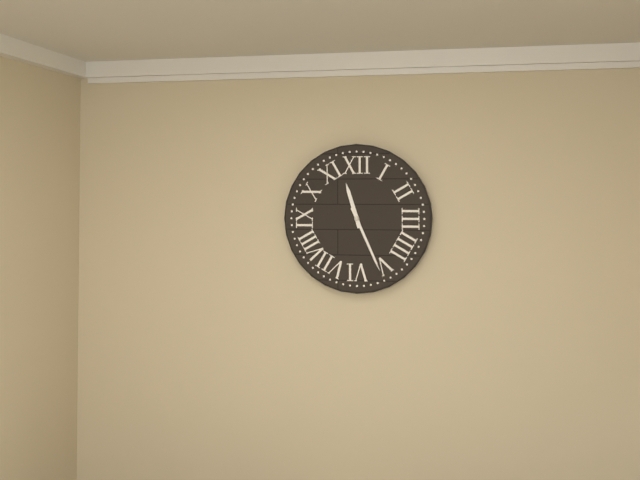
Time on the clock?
11:26
